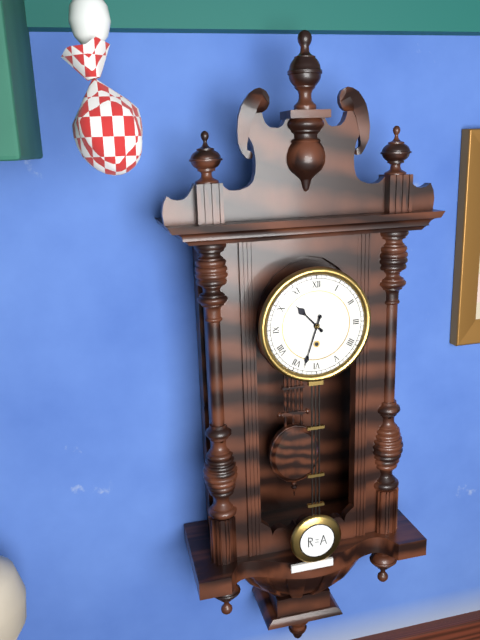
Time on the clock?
10:33
